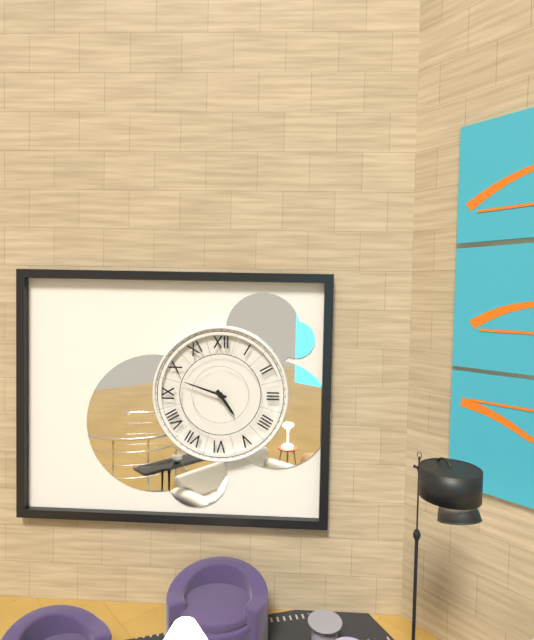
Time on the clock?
4:48
